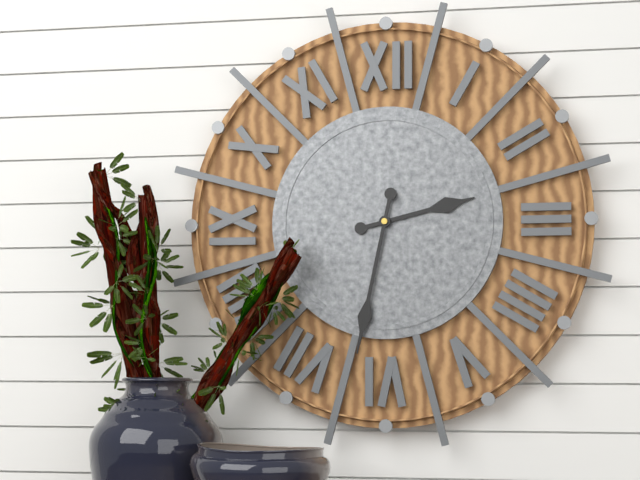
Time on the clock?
2:32
